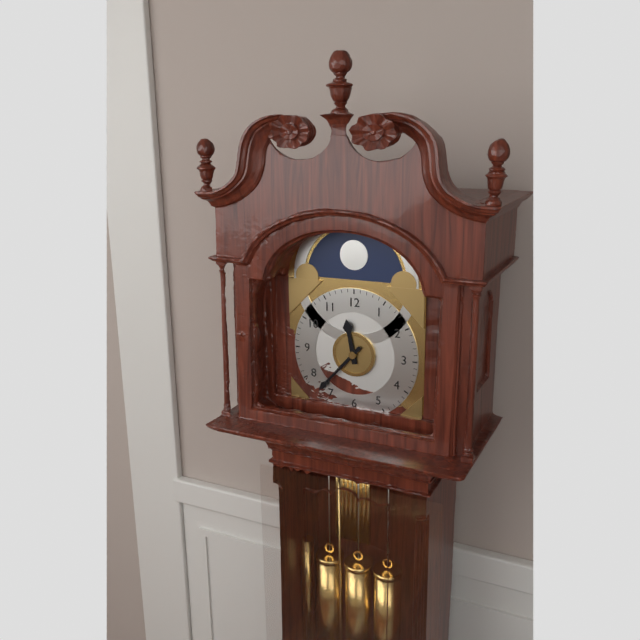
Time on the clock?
11:37
